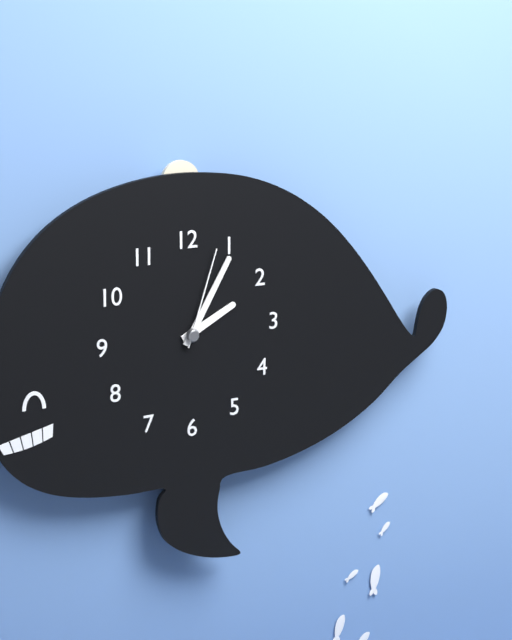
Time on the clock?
2:05:03
